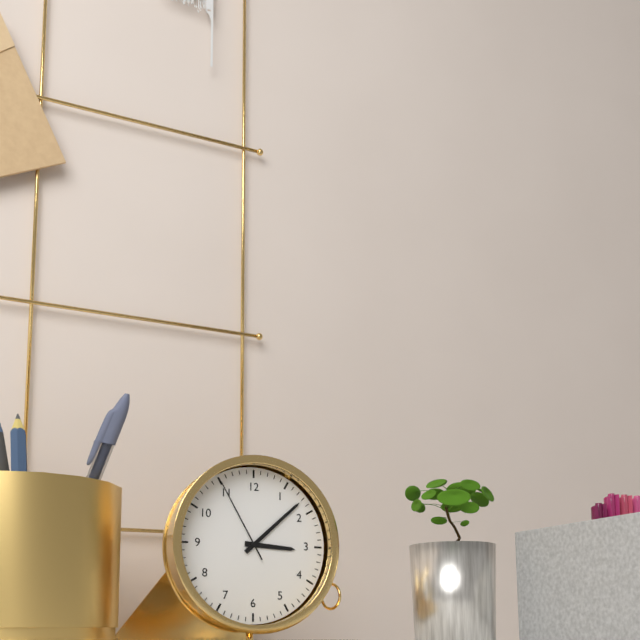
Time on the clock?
3:08:55
